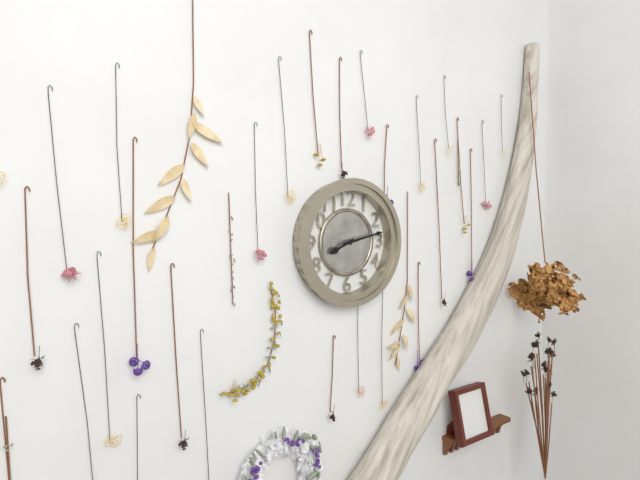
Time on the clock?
8:13
